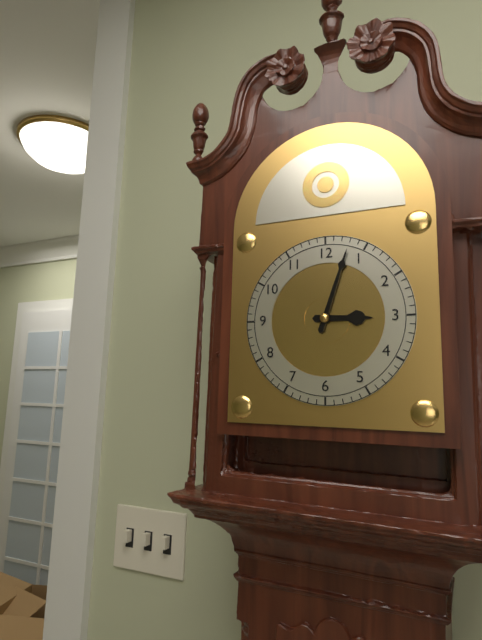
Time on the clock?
3:03
